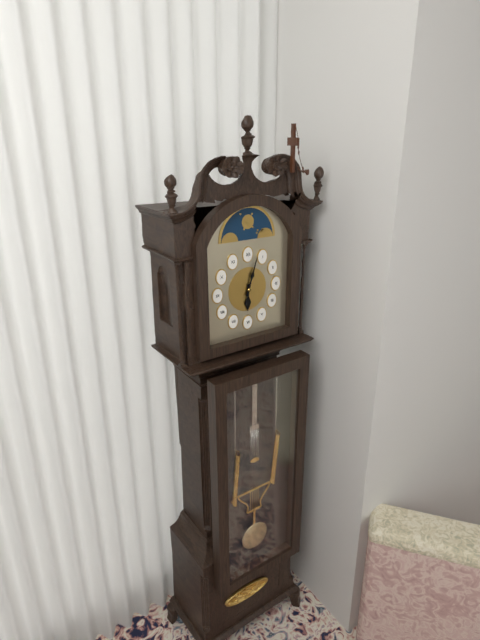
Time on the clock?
6:03
